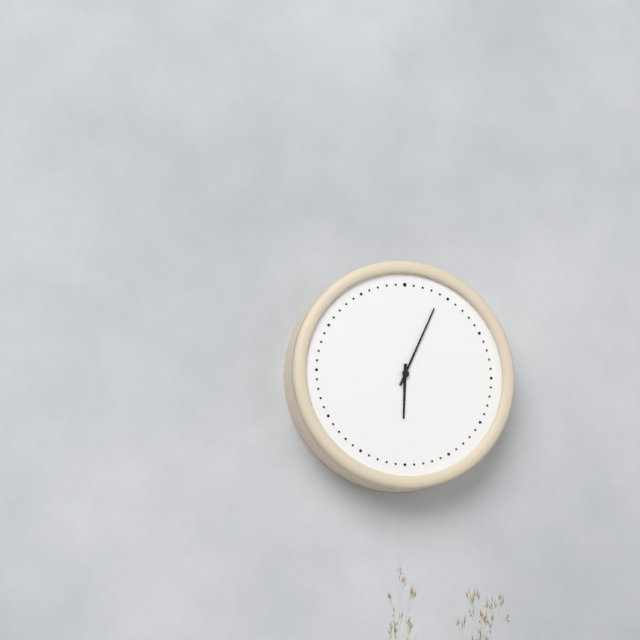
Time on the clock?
6:04
